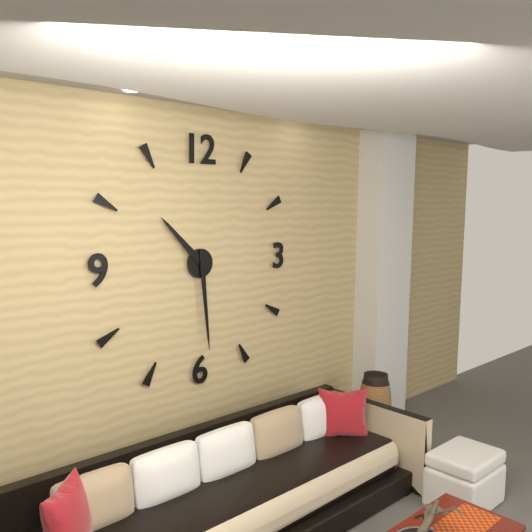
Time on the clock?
10:29
